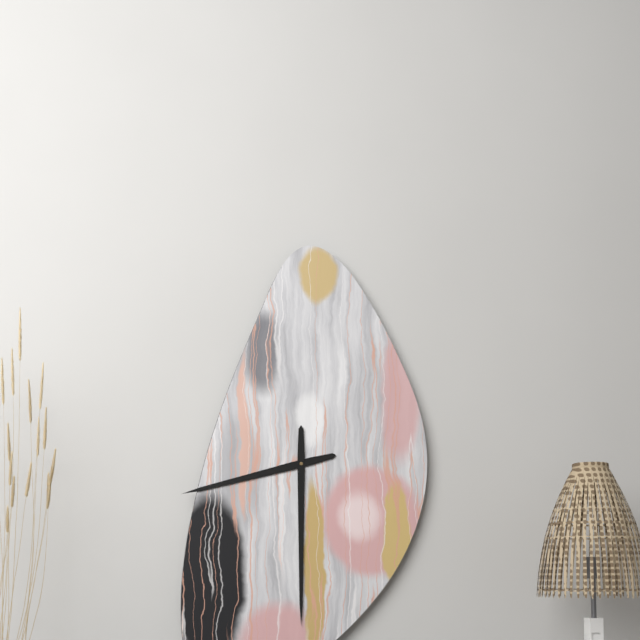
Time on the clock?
8:30
